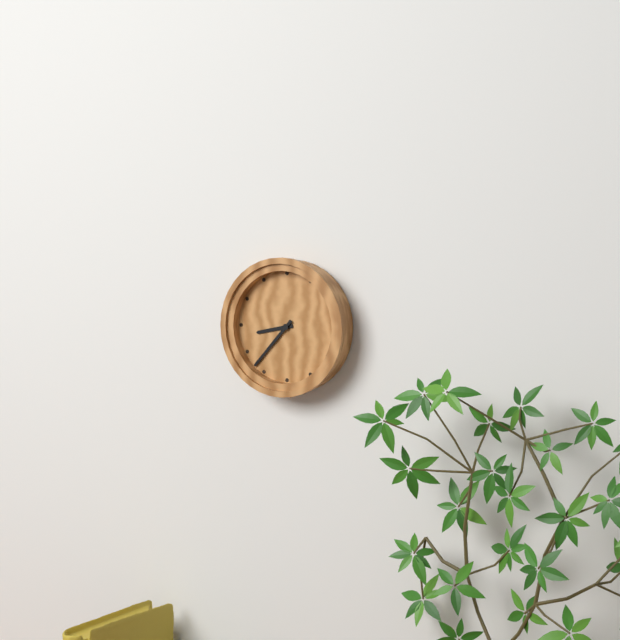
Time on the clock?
8:37
